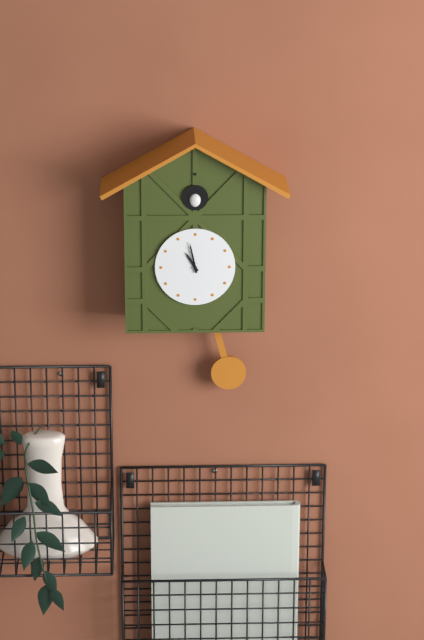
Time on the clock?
10:58
